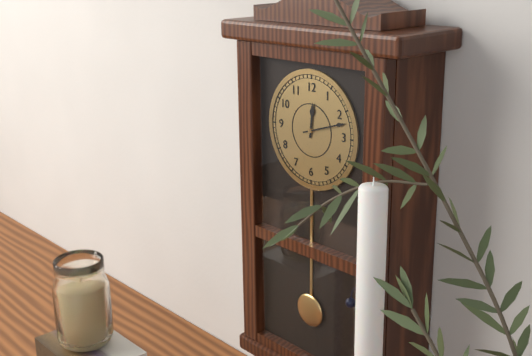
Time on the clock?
12:12
